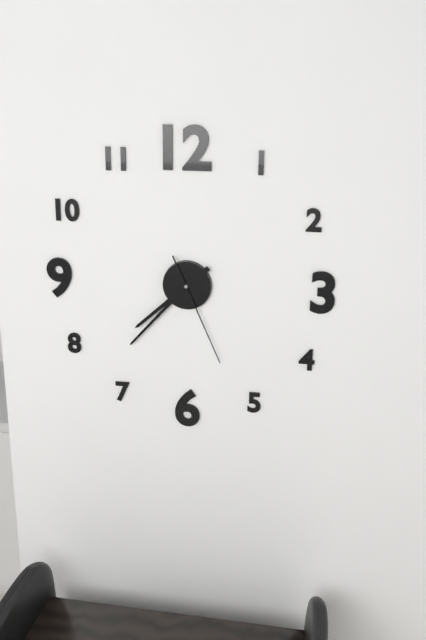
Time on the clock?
7:37:26
